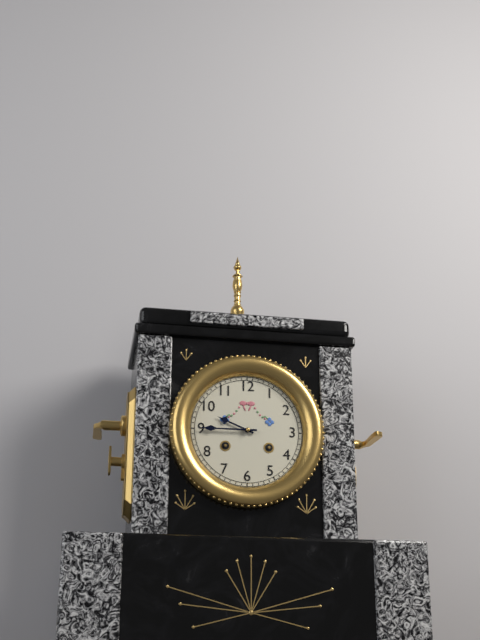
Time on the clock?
9:45
